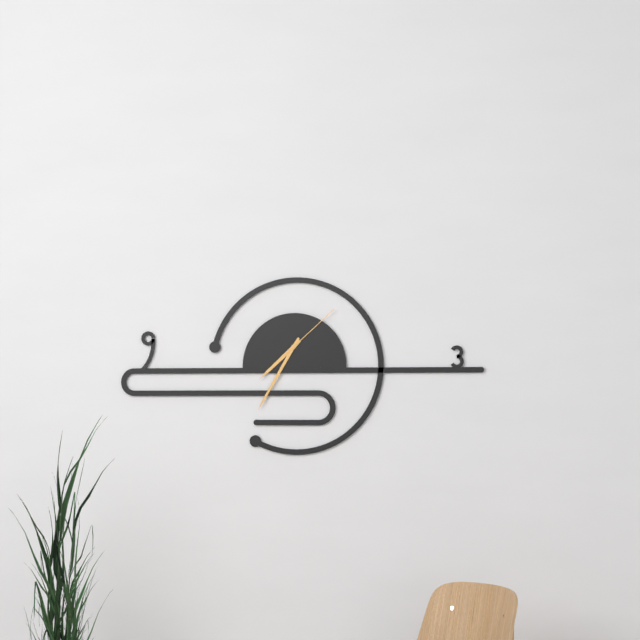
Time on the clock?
7:35:08
